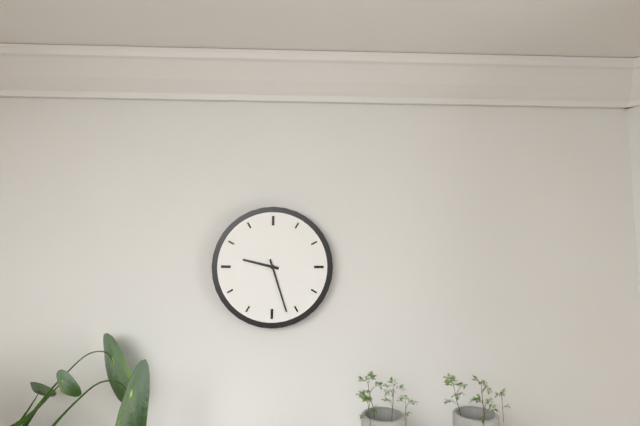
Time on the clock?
9:27
